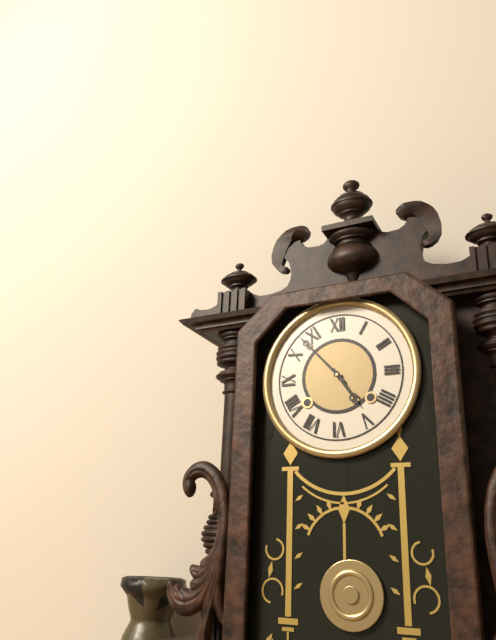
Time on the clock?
4:53
